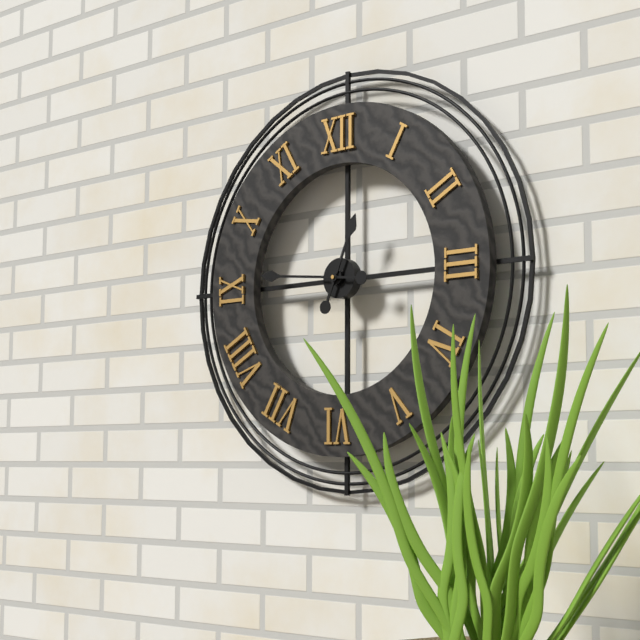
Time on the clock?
12:46
